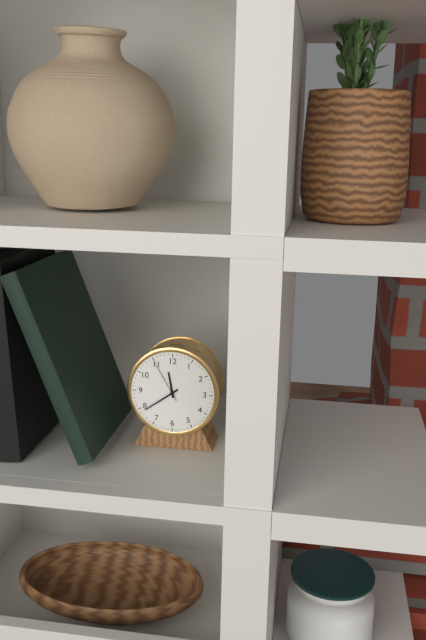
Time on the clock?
11:39
